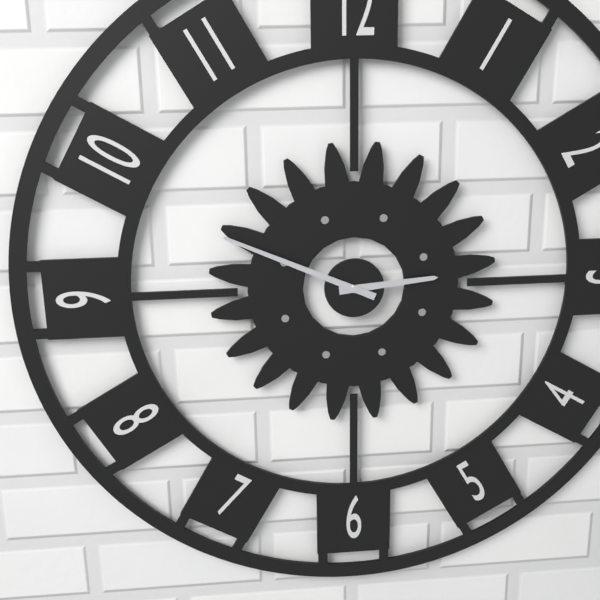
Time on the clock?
2:49
